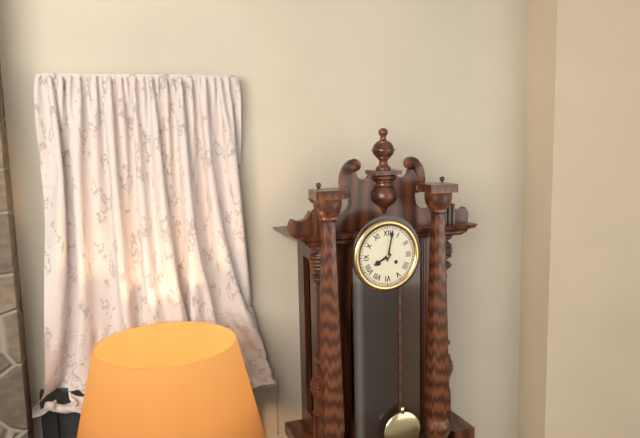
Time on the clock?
8:02
